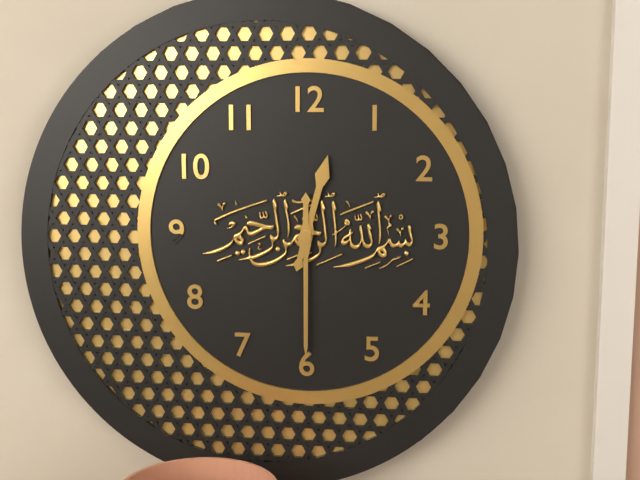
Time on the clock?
12:30
